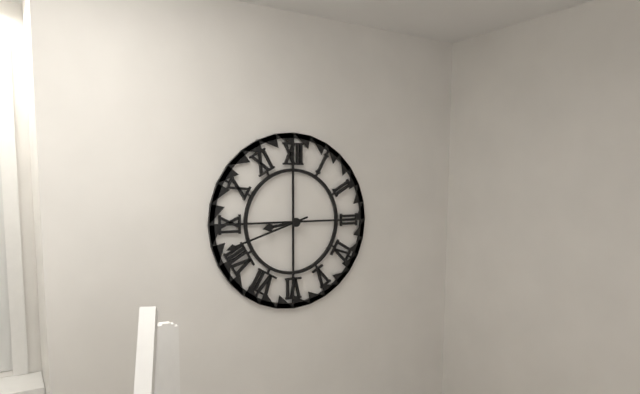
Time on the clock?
8:42
